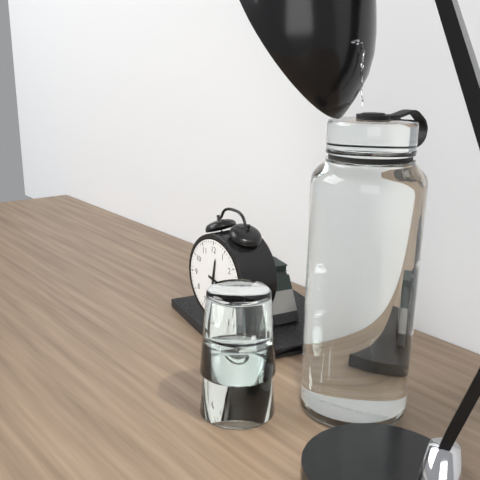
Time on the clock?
12:17
